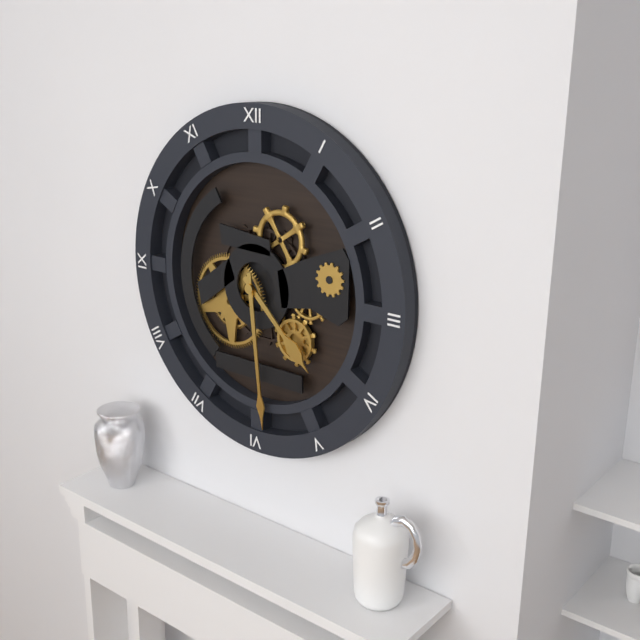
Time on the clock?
4:29
